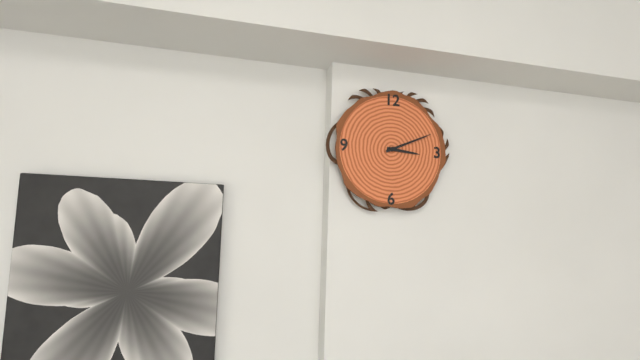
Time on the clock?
3:11
